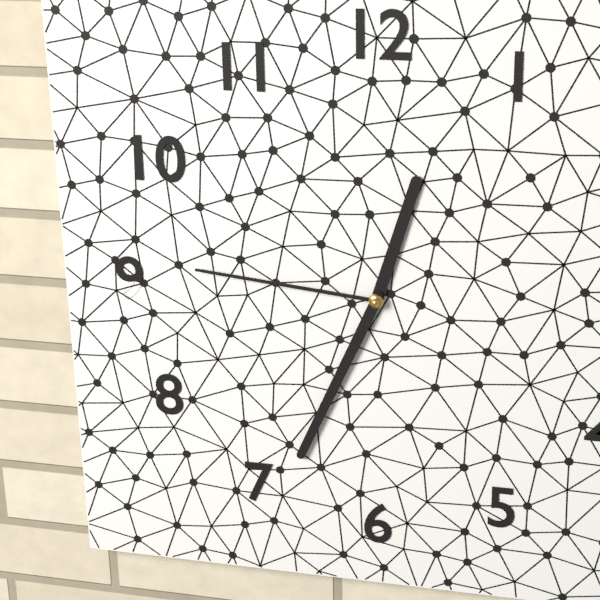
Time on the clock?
12:34:46
